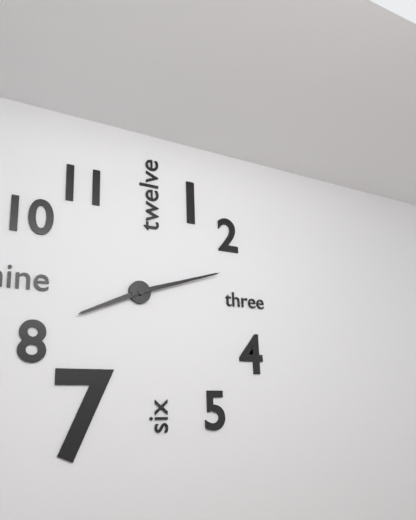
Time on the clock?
8:12
